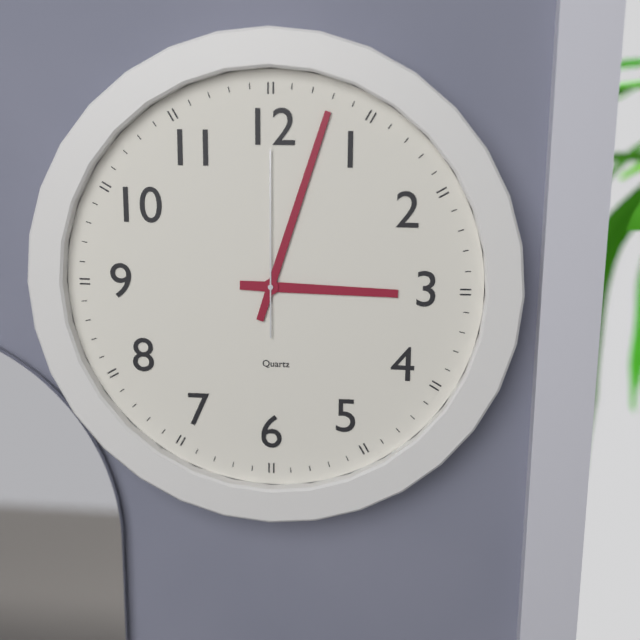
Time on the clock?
3:03:00
